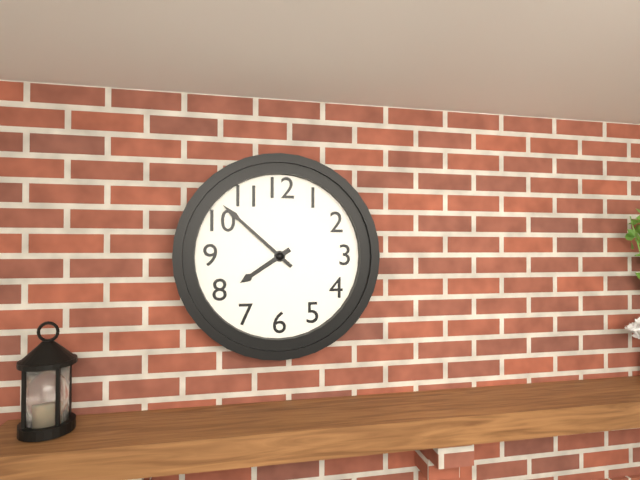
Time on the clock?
7:52
